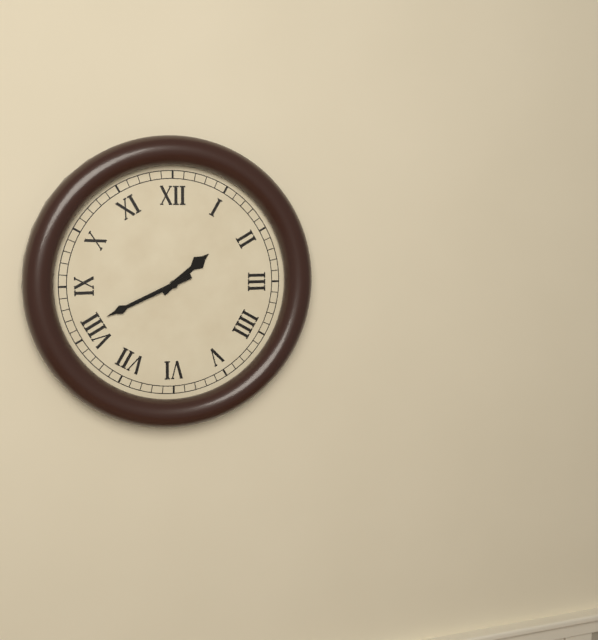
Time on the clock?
1:41
